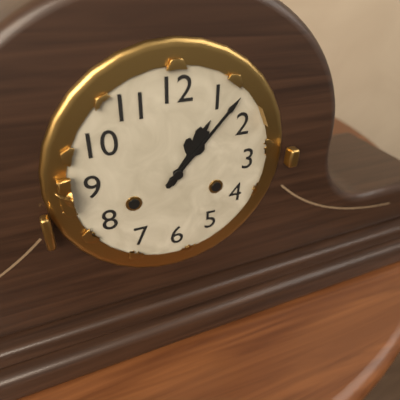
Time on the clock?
1:07
